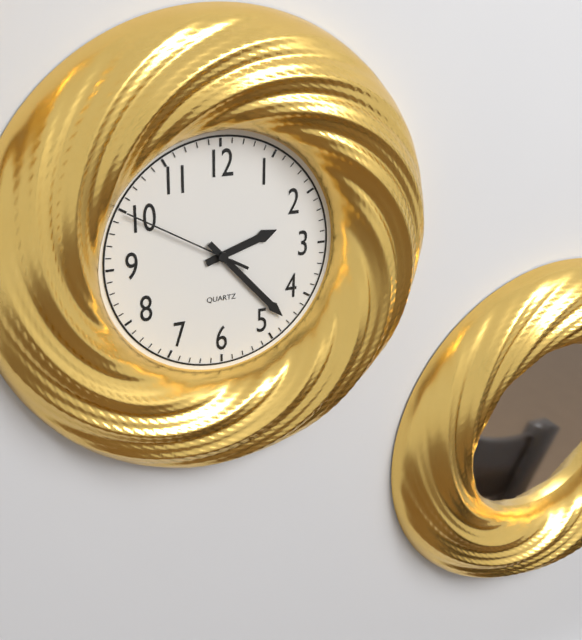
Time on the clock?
2:23:50
